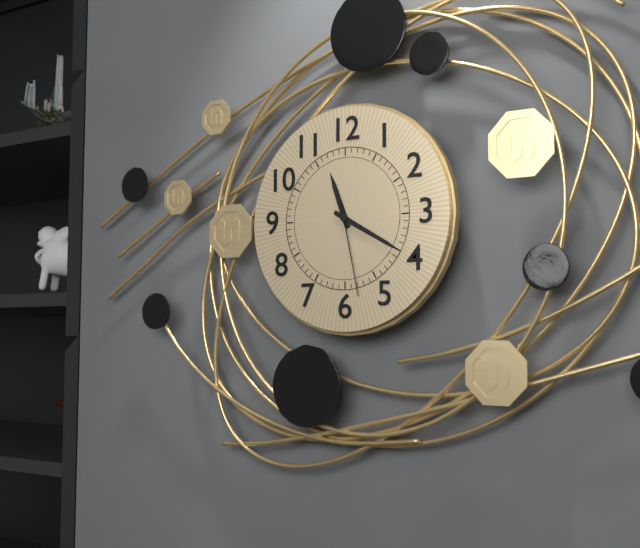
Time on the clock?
11:20:28
